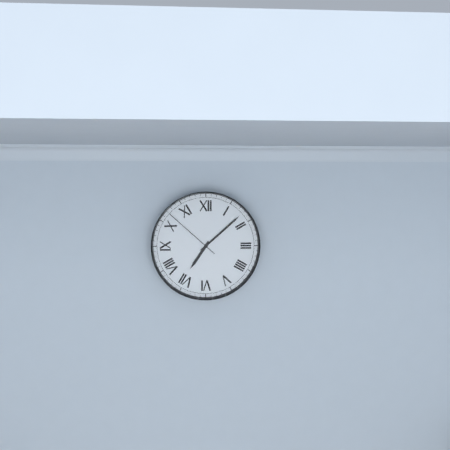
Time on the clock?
7:08:52
